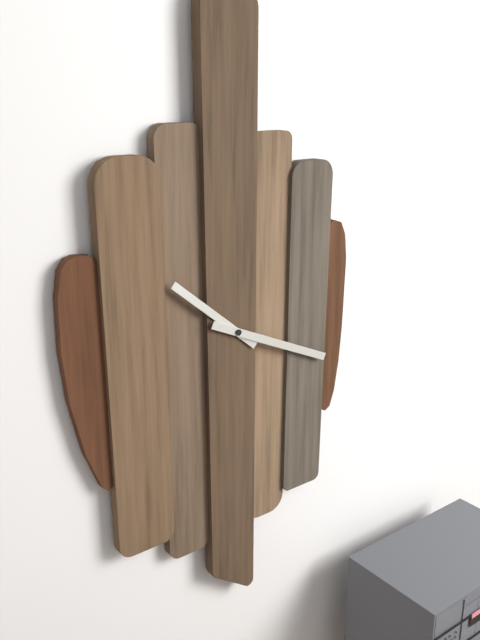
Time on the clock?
10:19
